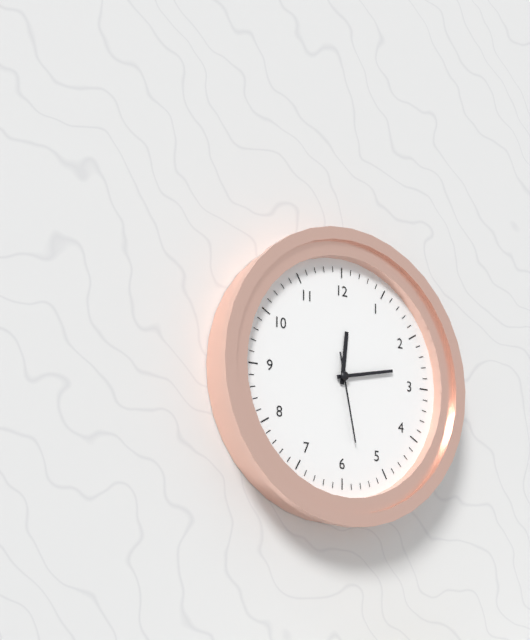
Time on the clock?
12:13:28
